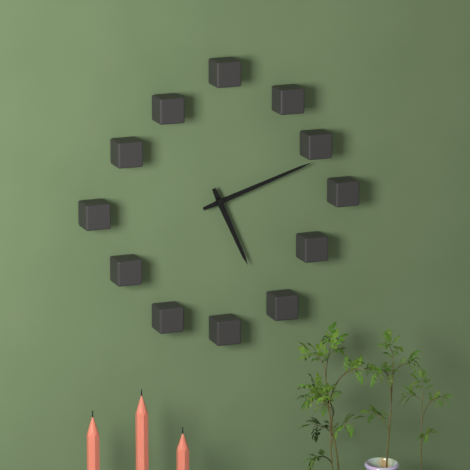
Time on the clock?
5:12
